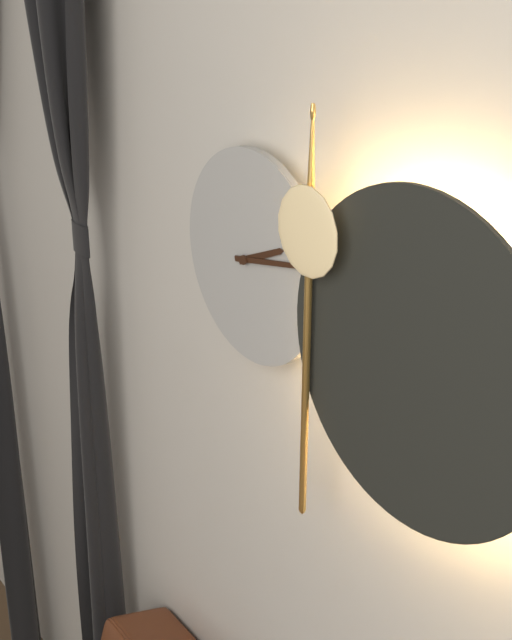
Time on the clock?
2:13
